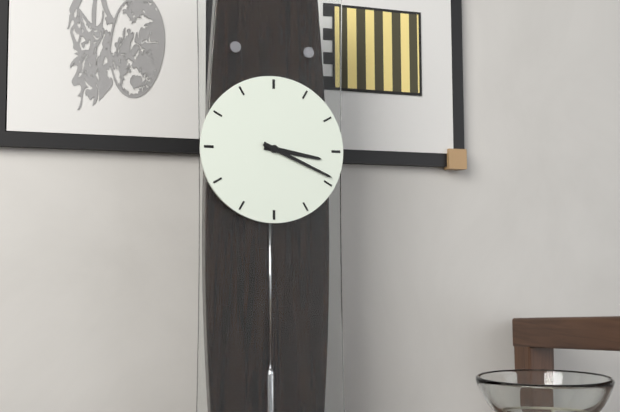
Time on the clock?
3:19
